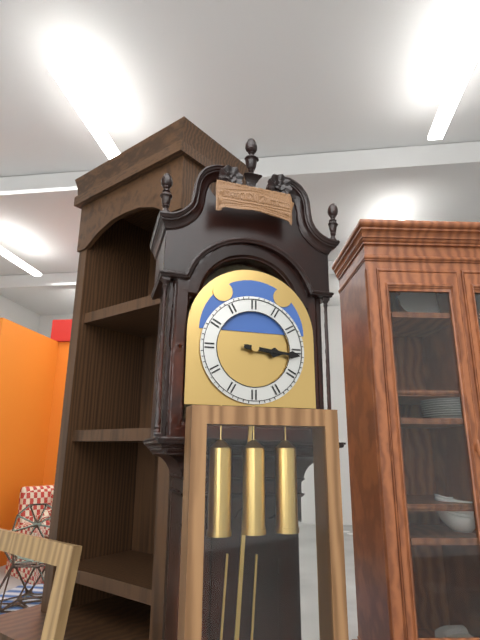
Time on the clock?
3:16
